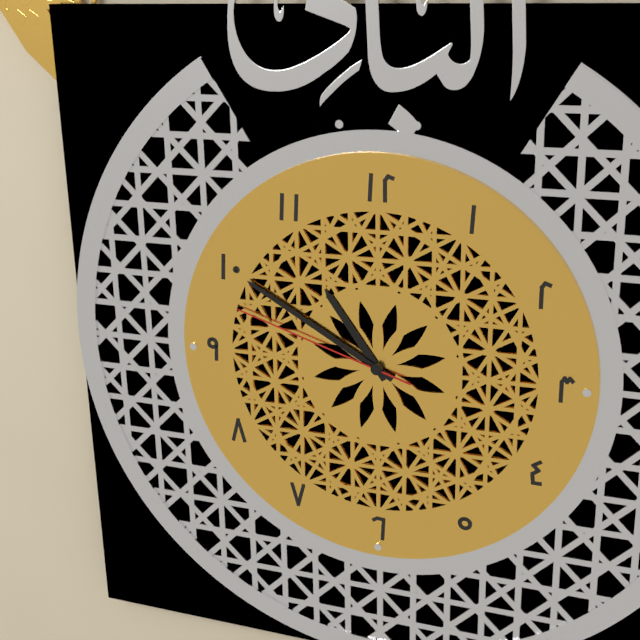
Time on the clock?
10:50:48
